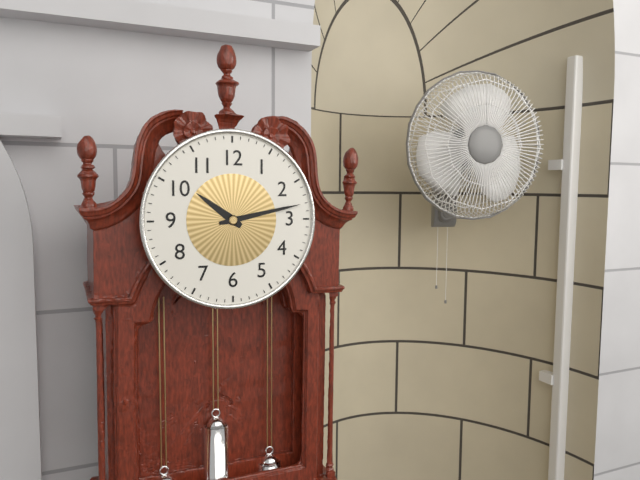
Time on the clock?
10:13
